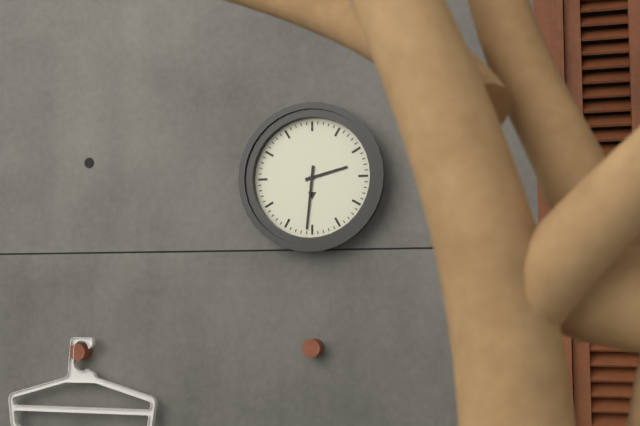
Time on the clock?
2:31
